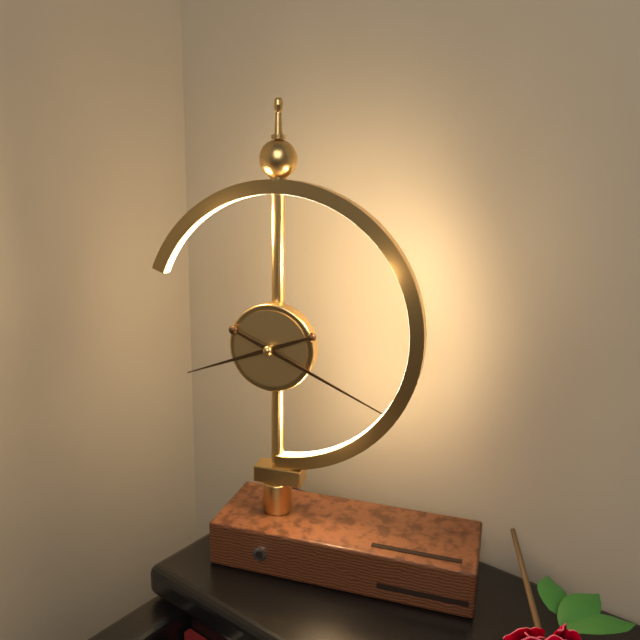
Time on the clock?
8:19
